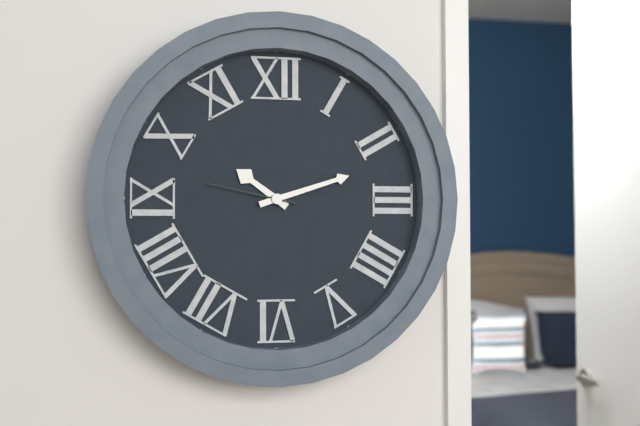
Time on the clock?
10:12:47
